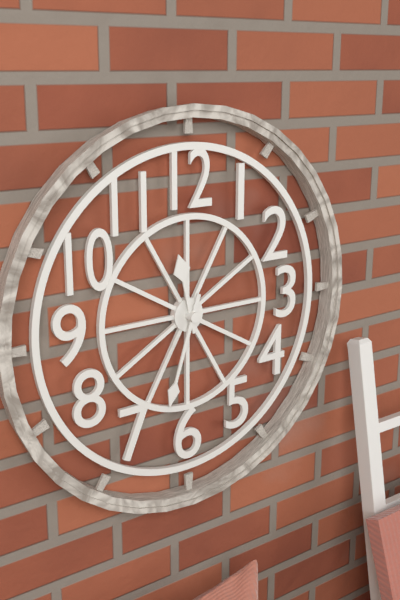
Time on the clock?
11:33
